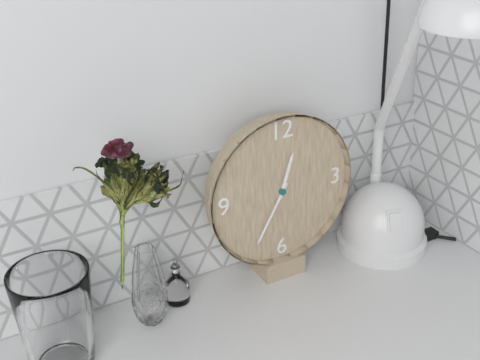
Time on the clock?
12:35
